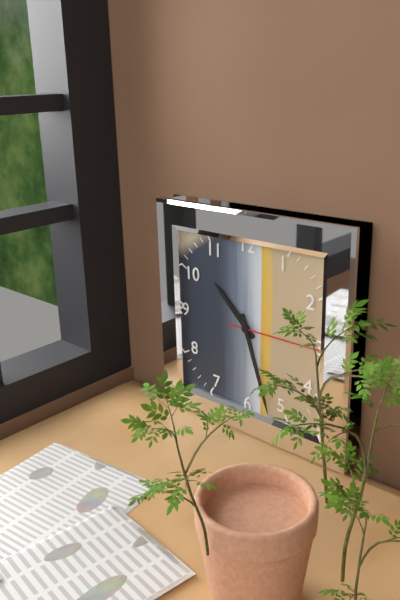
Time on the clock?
10:27:15
